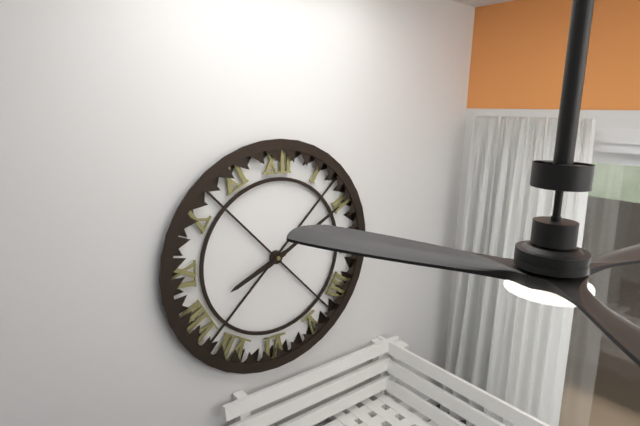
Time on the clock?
8:10
